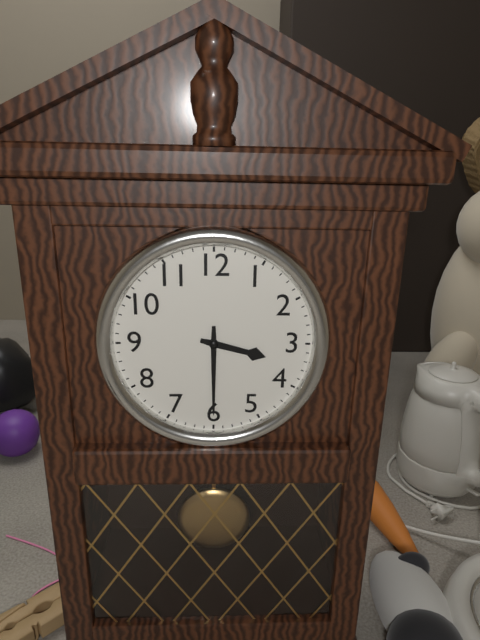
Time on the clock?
3:30
